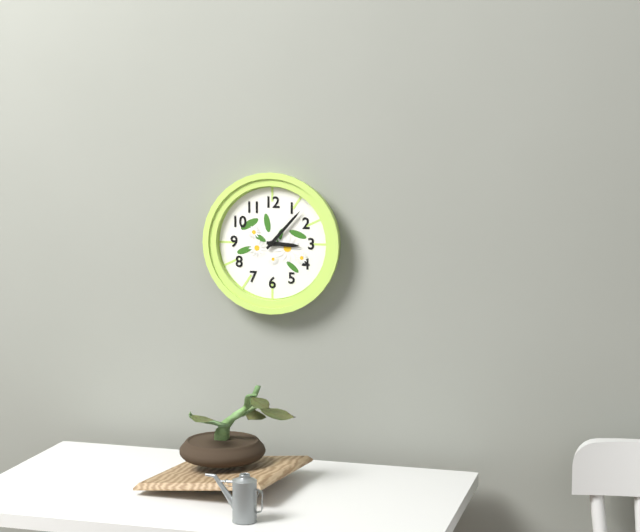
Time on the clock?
3:07
